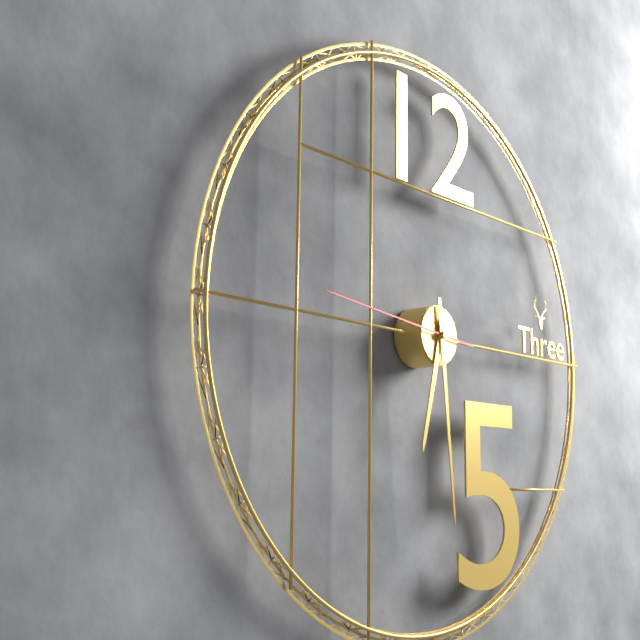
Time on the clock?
6:29:46
